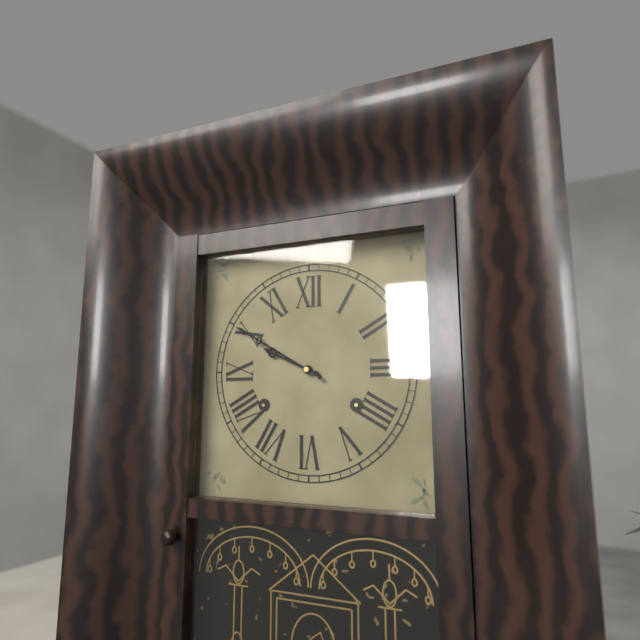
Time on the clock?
9:50
